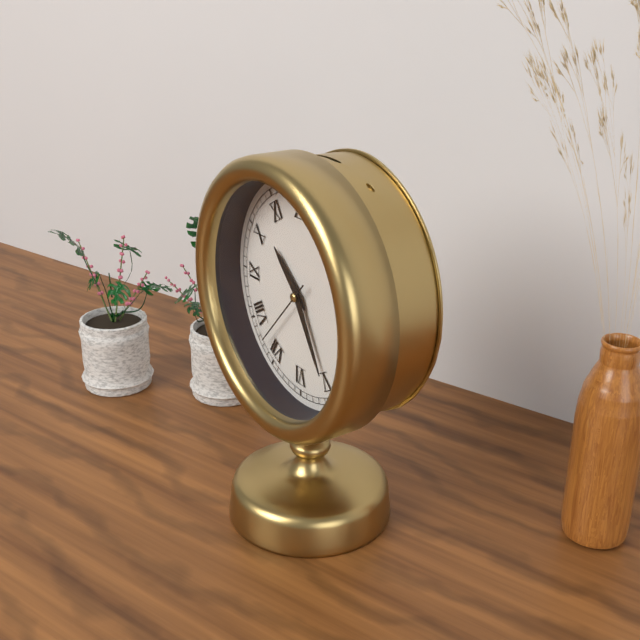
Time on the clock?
10:25:37
